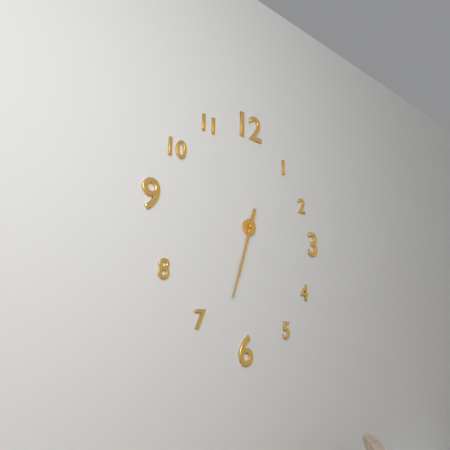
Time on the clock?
6:33
